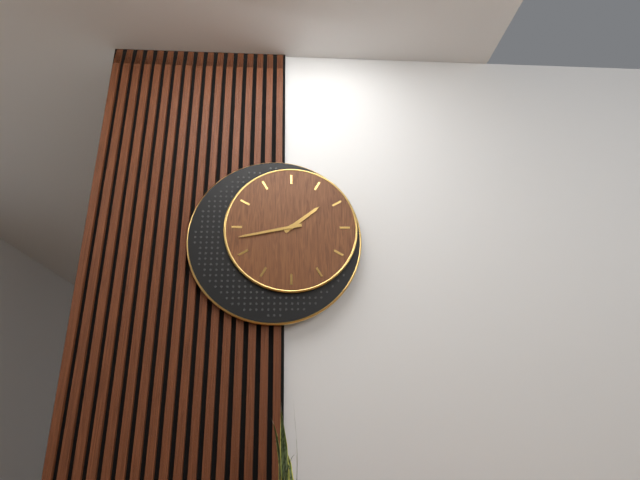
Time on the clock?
1:43
